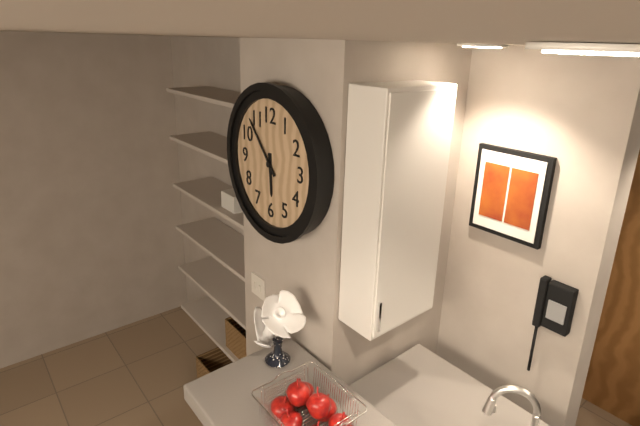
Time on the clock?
5:53
